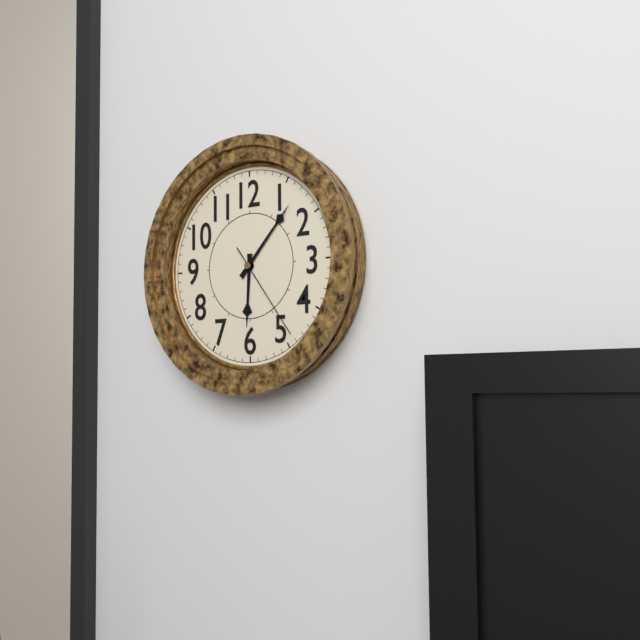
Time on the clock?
6:07:24
